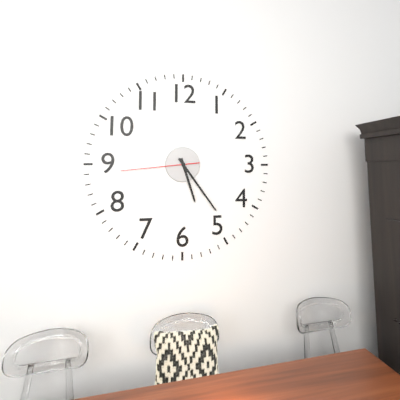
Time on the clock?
5:24:44
